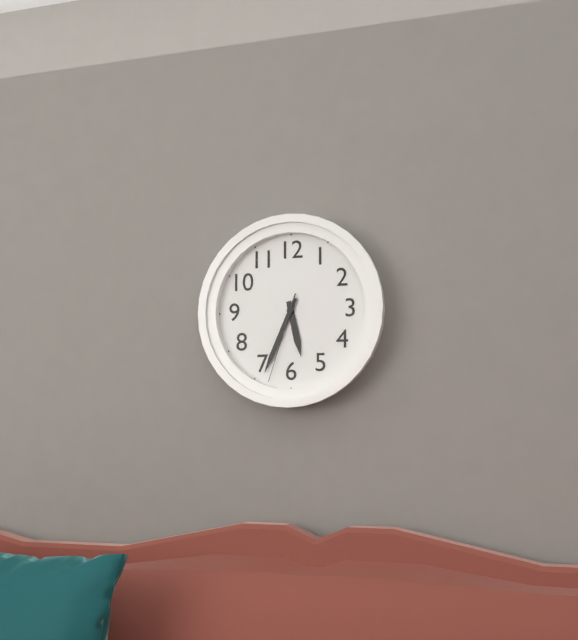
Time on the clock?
5:34:33
